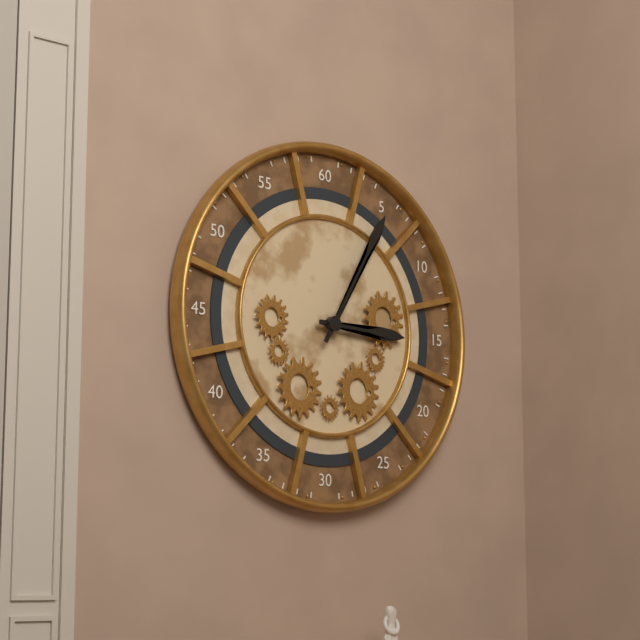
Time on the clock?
3:05
